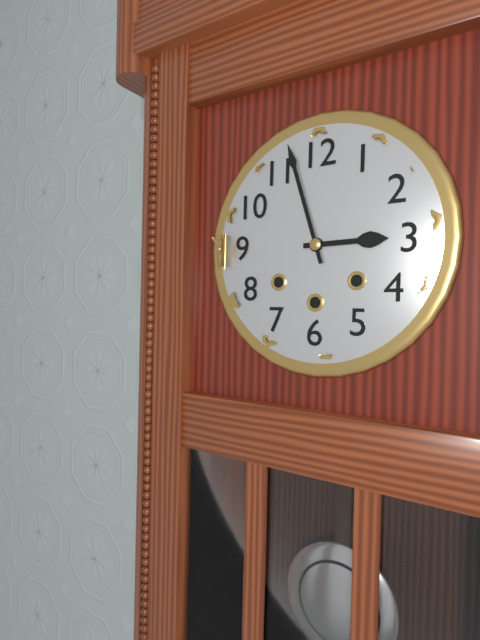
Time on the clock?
2:57
